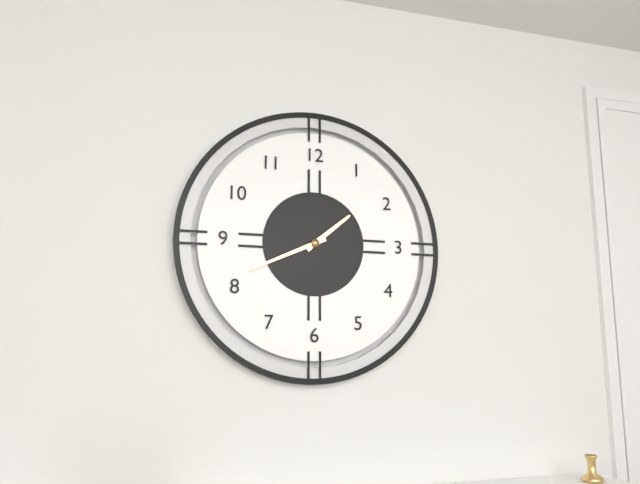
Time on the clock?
1:41
